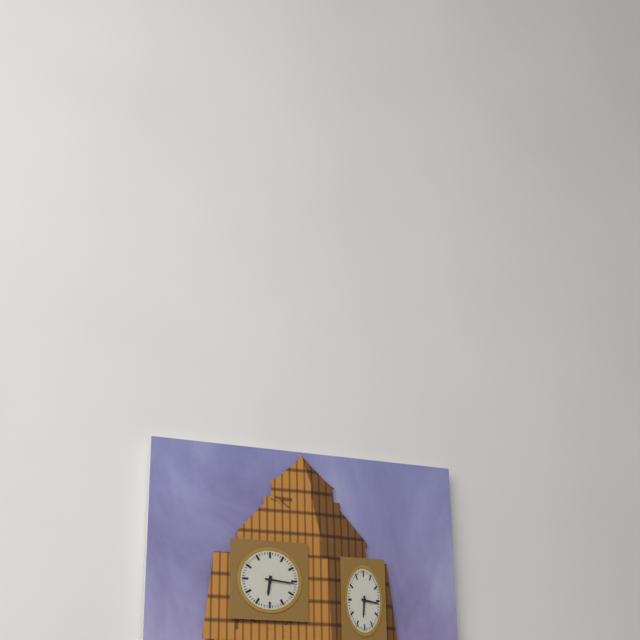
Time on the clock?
6:16
